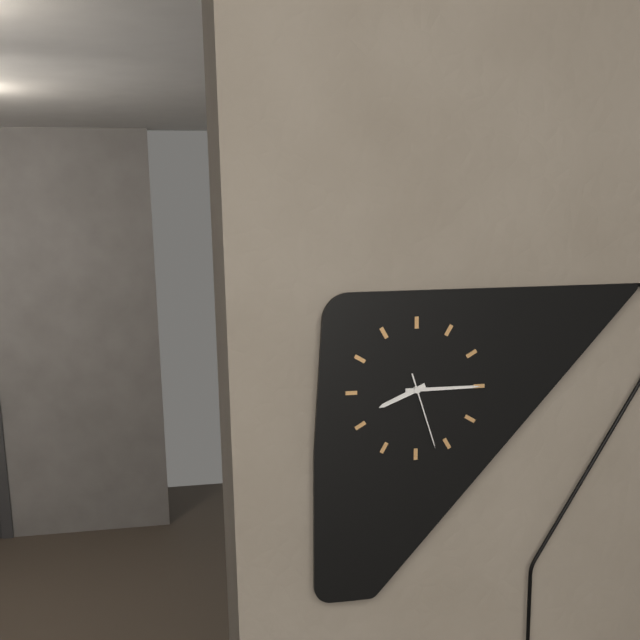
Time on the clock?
8:15:27
